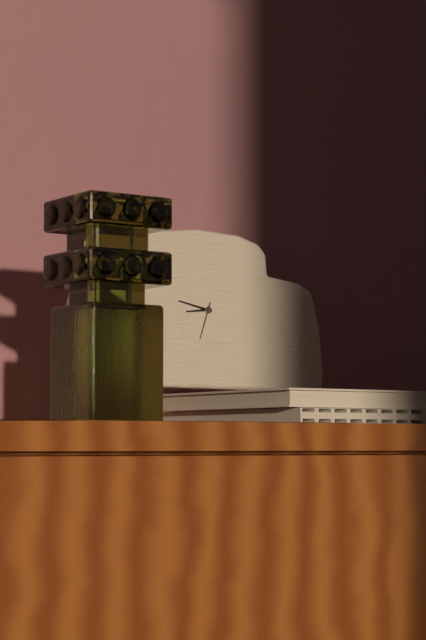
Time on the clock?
8:47
